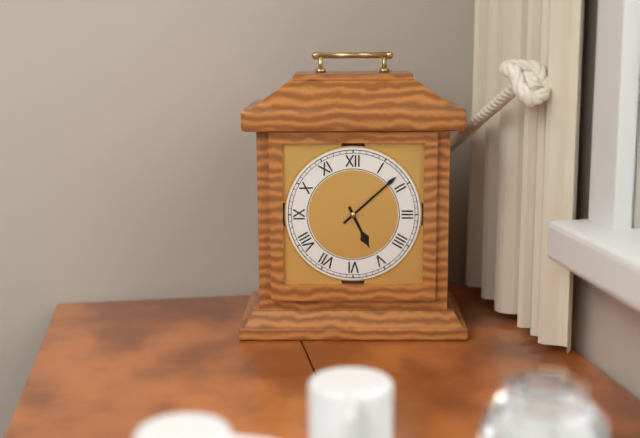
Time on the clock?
5:08
